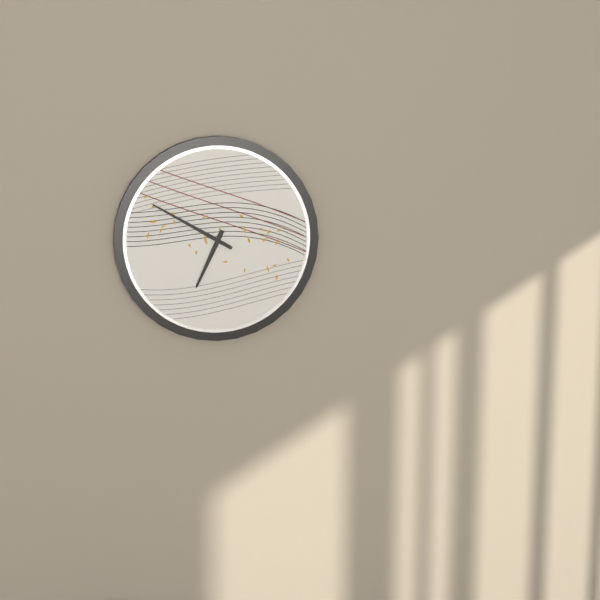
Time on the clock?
6:50
